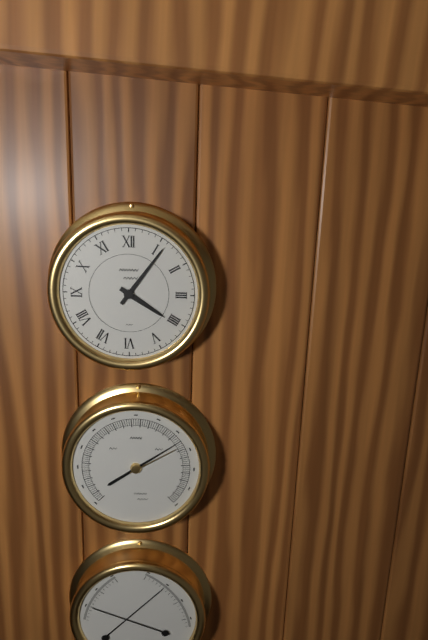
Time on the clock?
4:06
